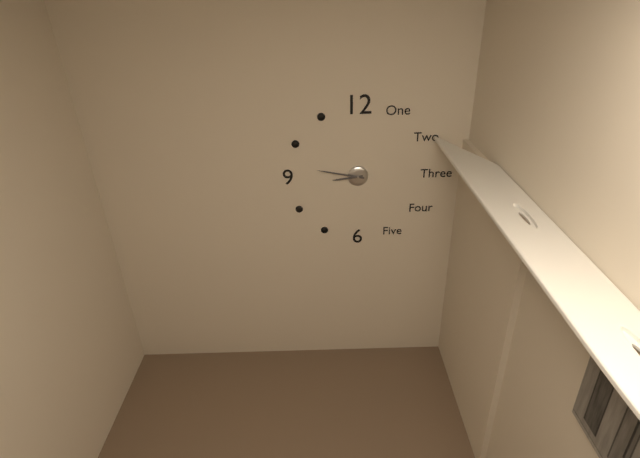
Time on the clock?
8:47
